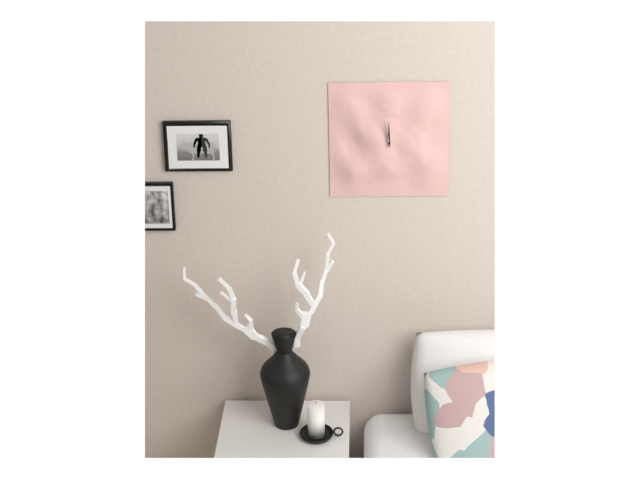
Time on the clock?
11:58
